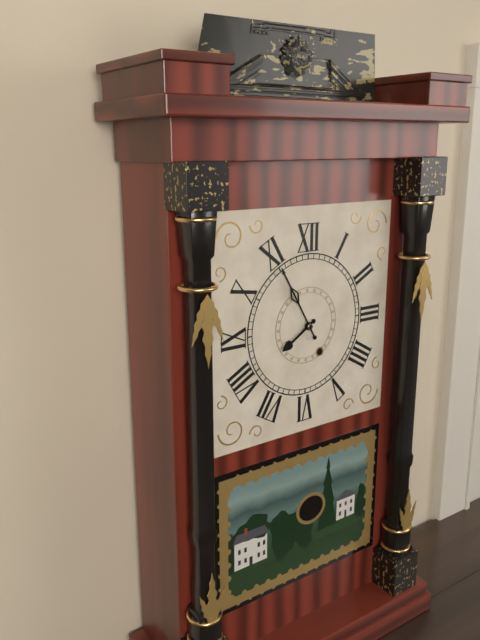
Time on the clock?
7:55
